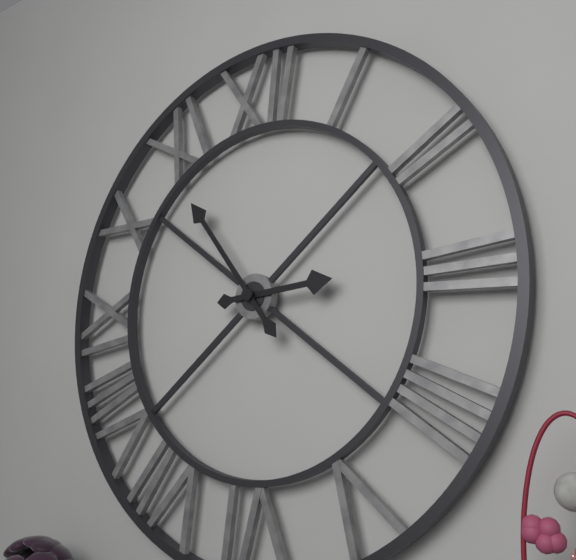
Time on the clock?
2:54
